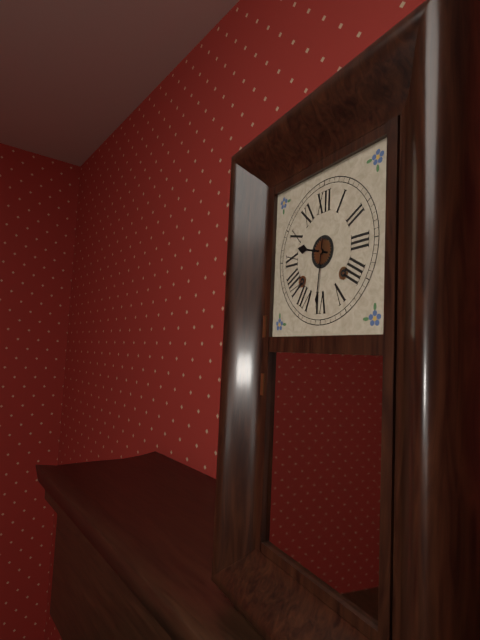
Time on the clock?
9:31
